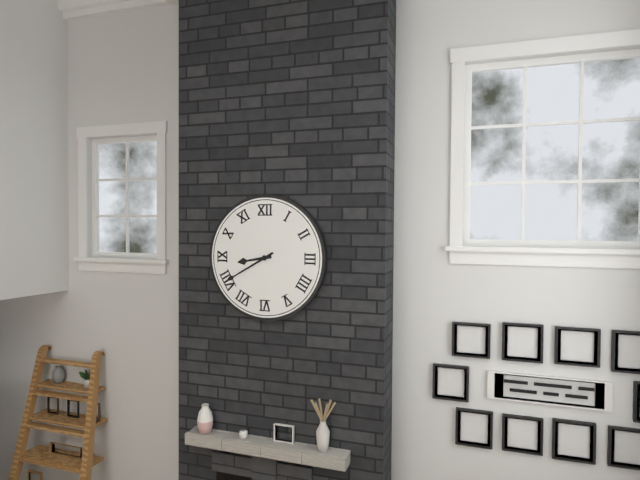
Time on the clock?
8:40
